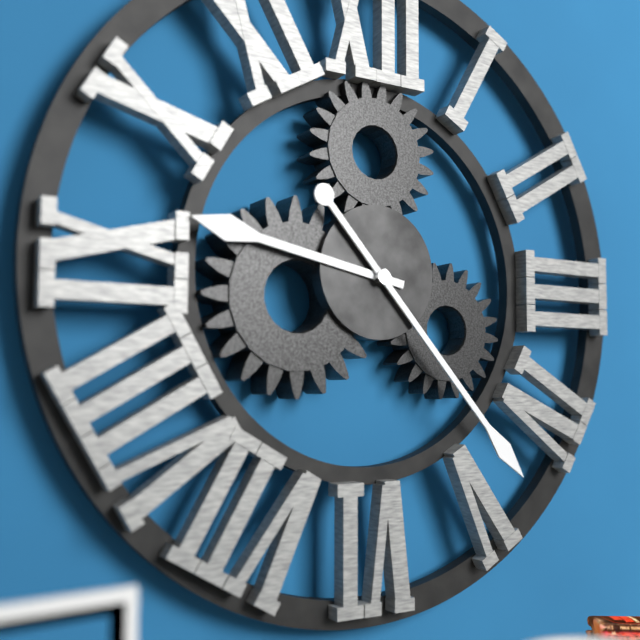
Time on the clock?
9:23
